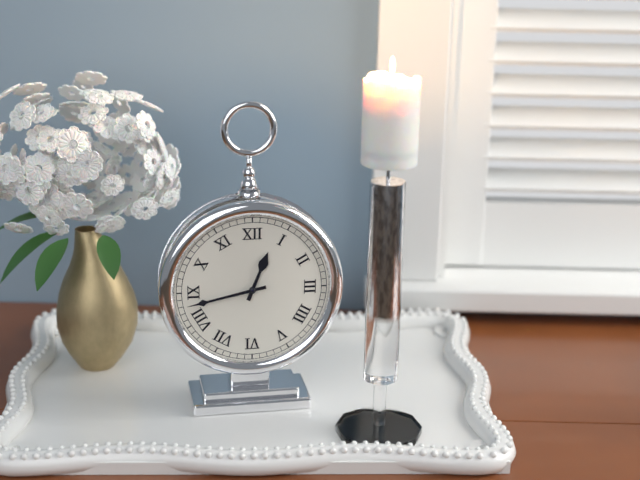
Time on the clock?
12:43
